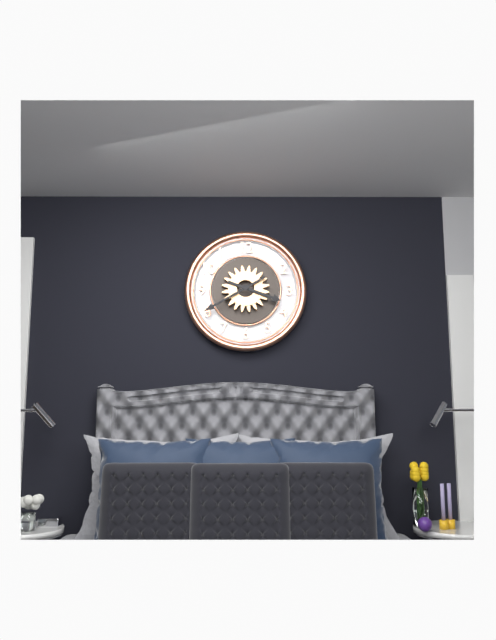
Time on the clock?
3:40
